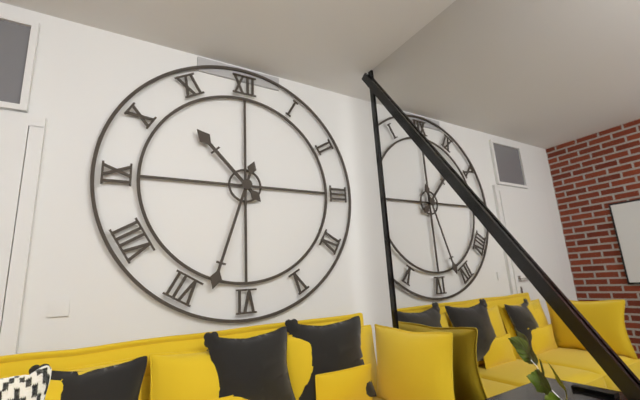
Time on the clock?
10:33
